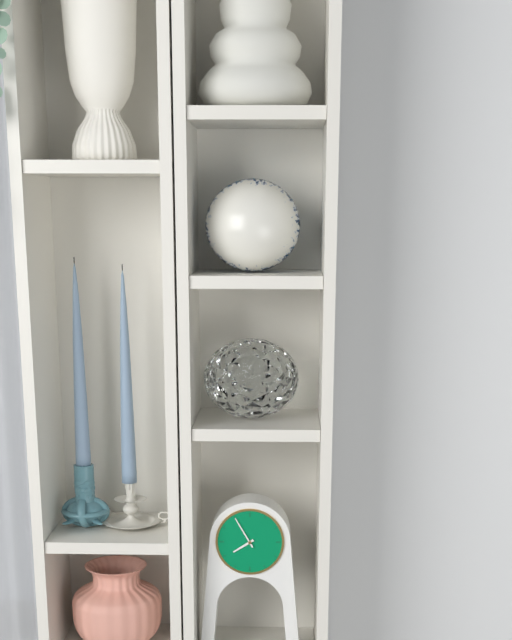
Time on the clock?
7:55
